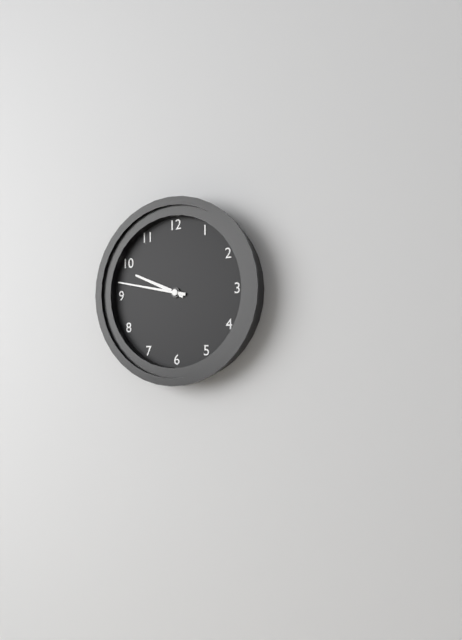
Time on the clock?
9:47
